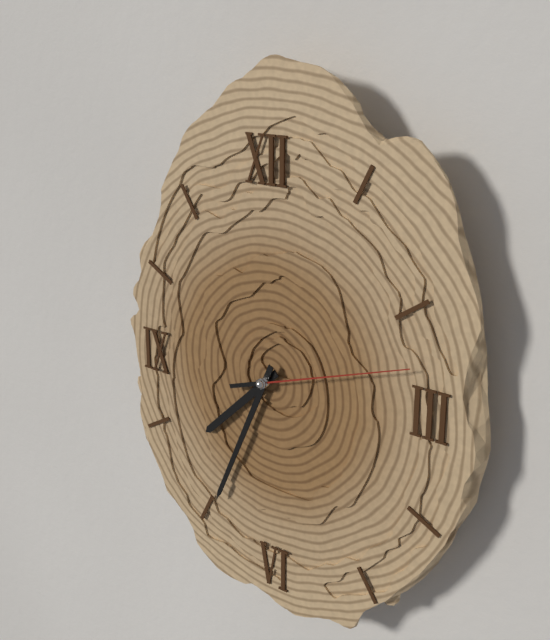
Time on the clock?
7:34:12
